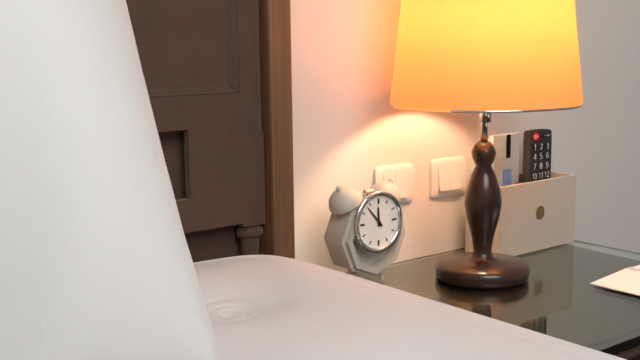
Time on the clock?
11:53
